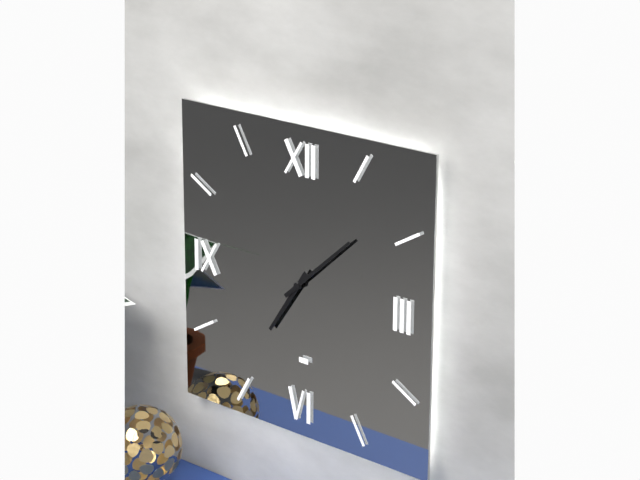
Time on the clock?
7:08
